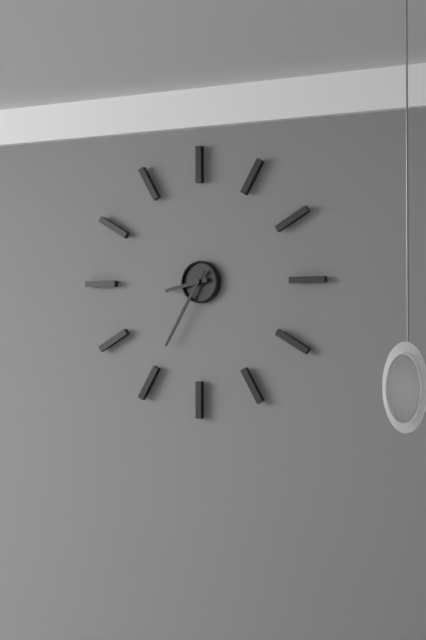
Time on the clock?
8:35
